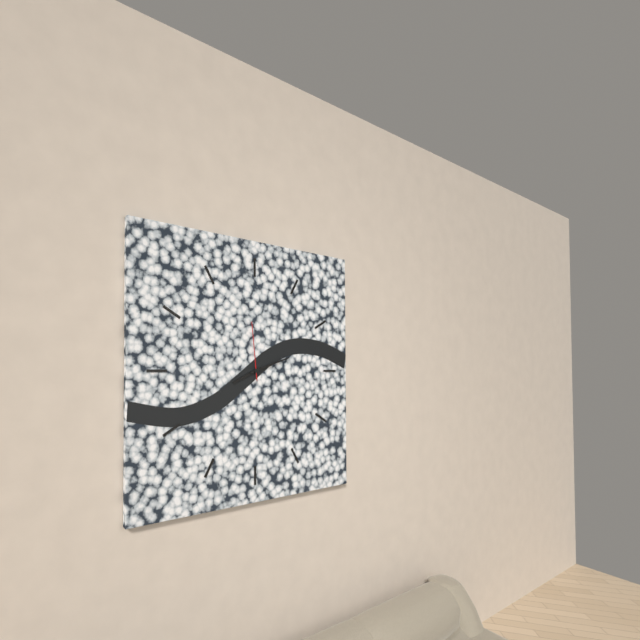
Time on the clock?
8:12:59
